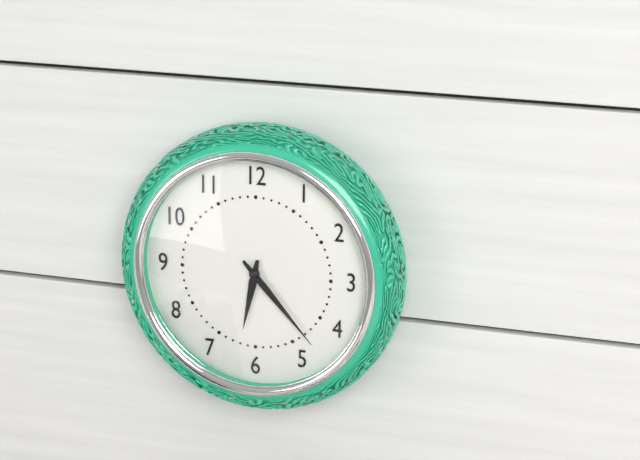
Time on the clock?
6:23
